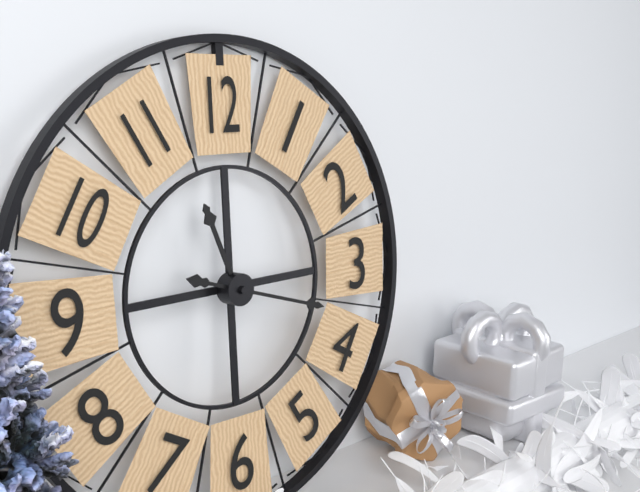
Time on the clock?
11:18
